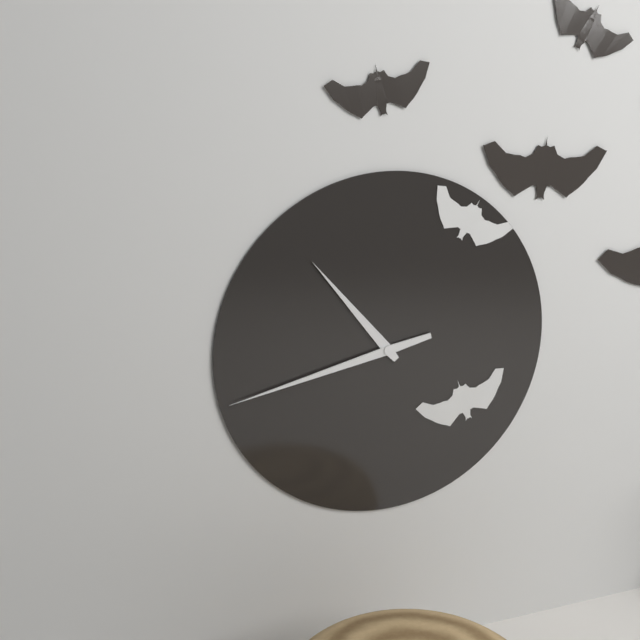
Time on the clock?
10:43
